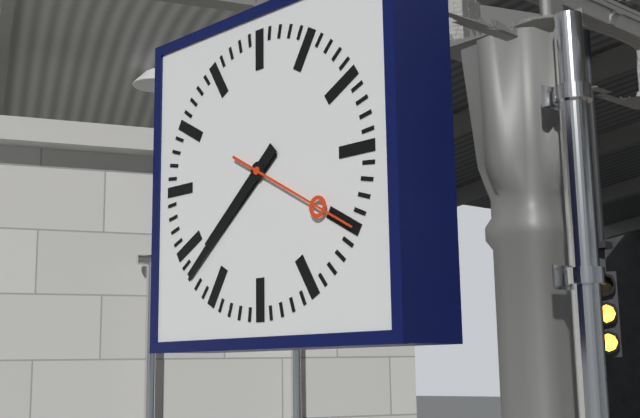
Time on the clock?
7:38:20
